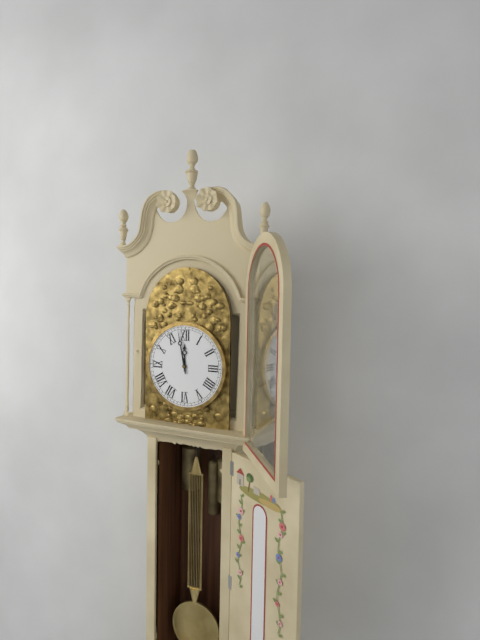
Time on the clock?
11:58
